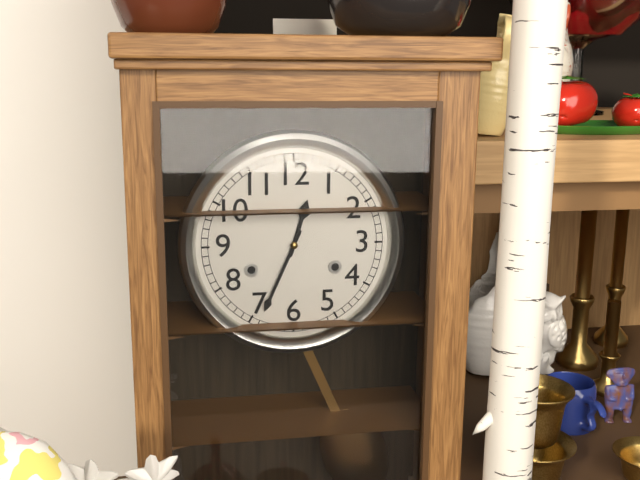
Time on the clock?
12:34
